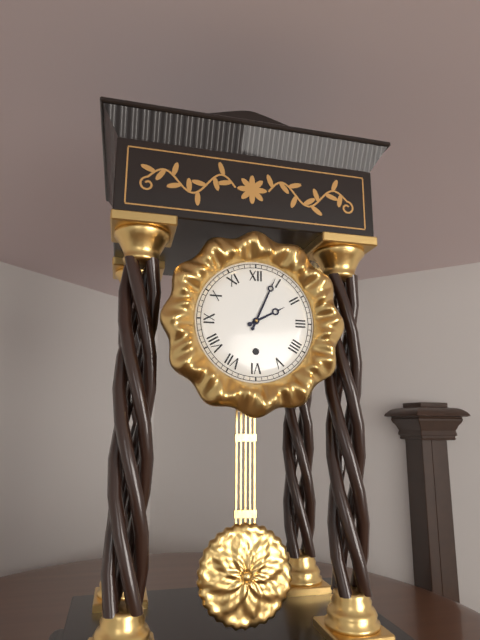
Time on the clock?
2:04
